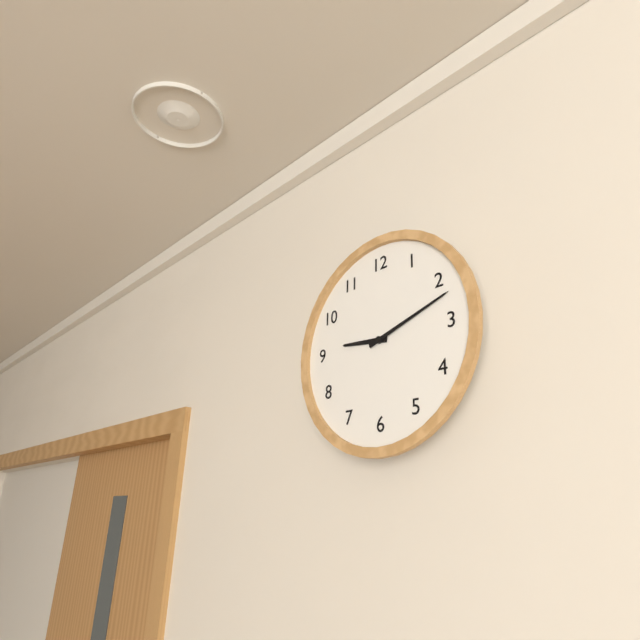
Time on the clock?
9:12
